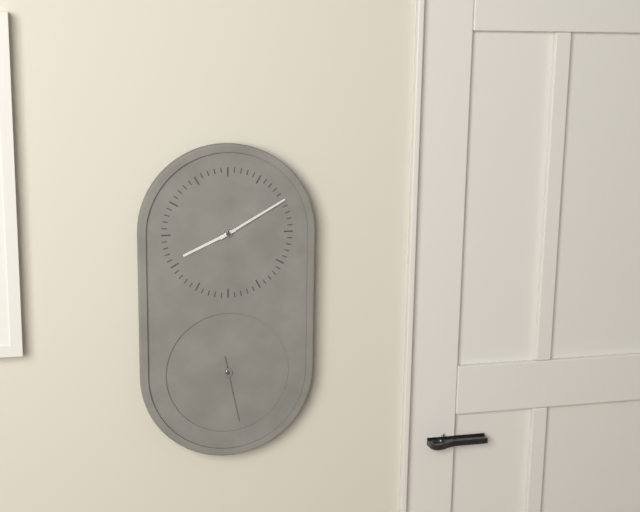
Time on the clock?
8:10:28
